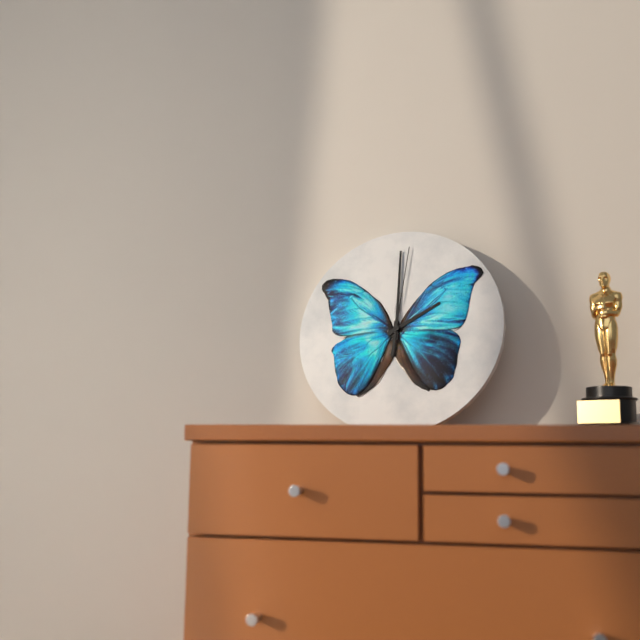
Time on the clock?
2:00:01
